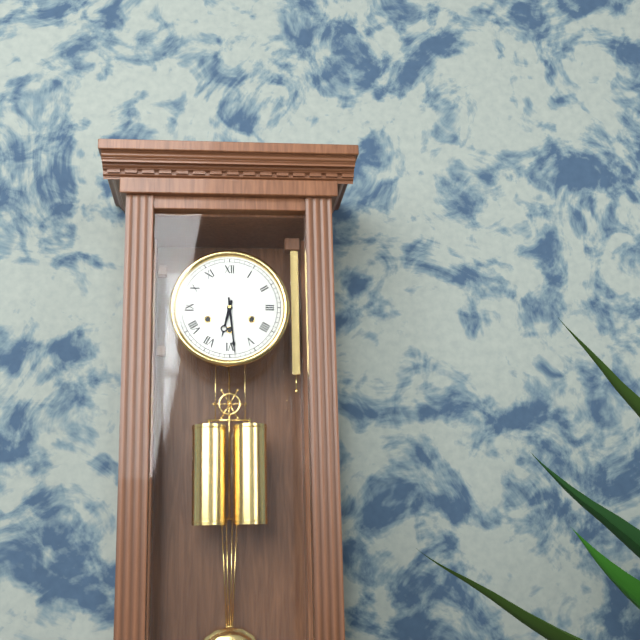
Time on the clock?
6:29
